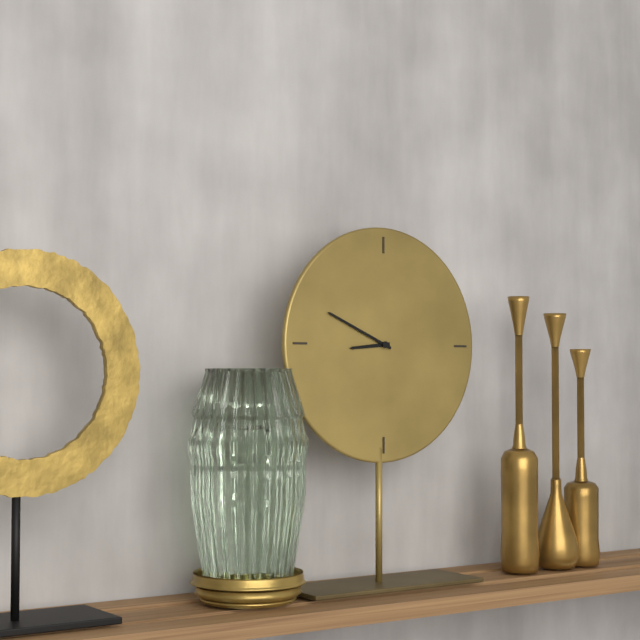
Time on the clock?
8:49
